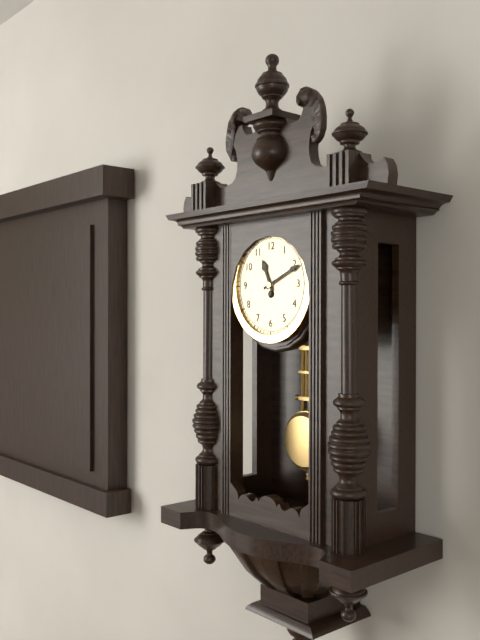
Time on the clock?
11:11
